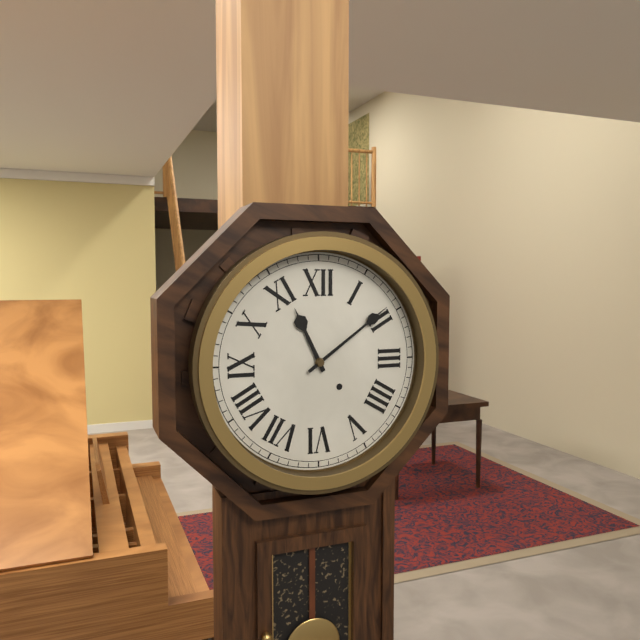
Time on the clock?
11:09
